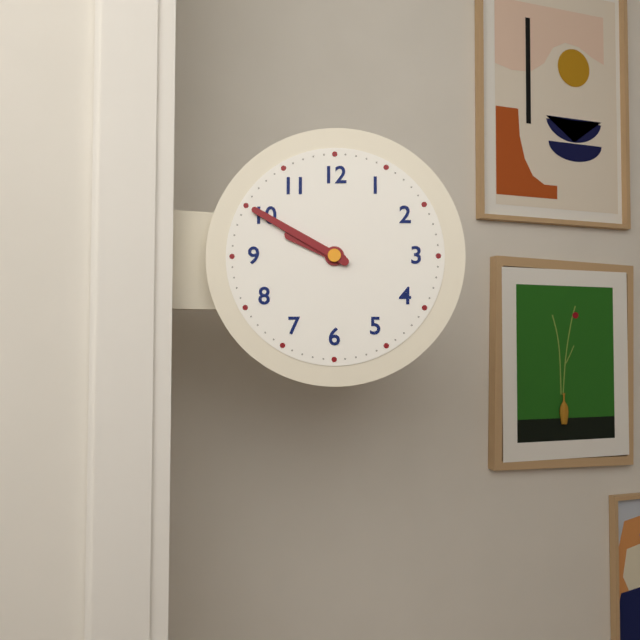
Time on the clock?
9:50
